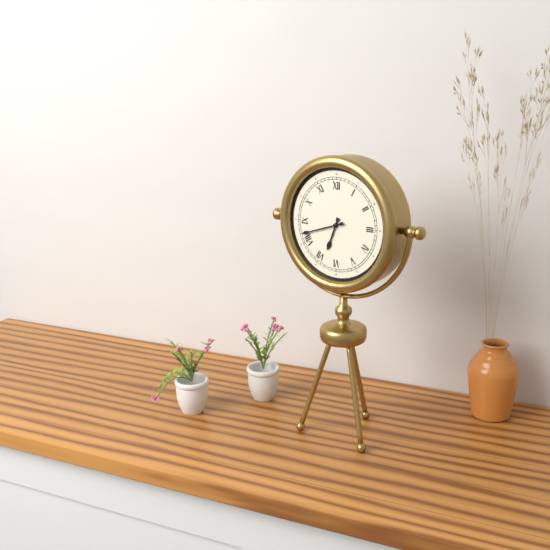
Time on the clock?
6:42
